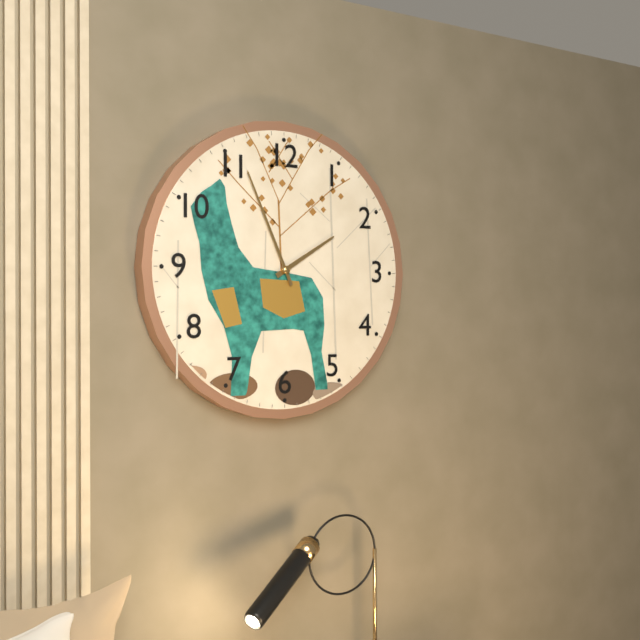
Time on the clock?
1:56
